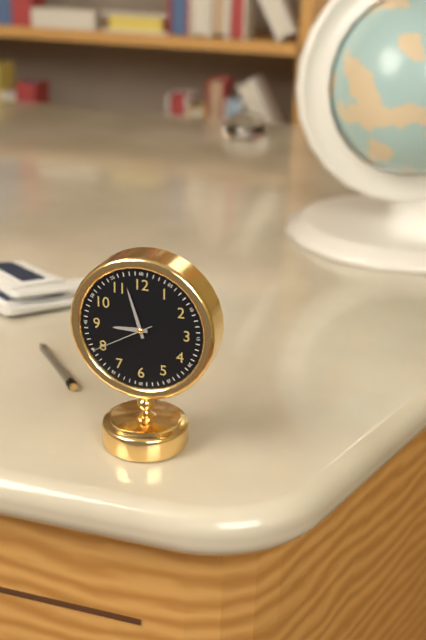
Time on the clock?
8:57:40
